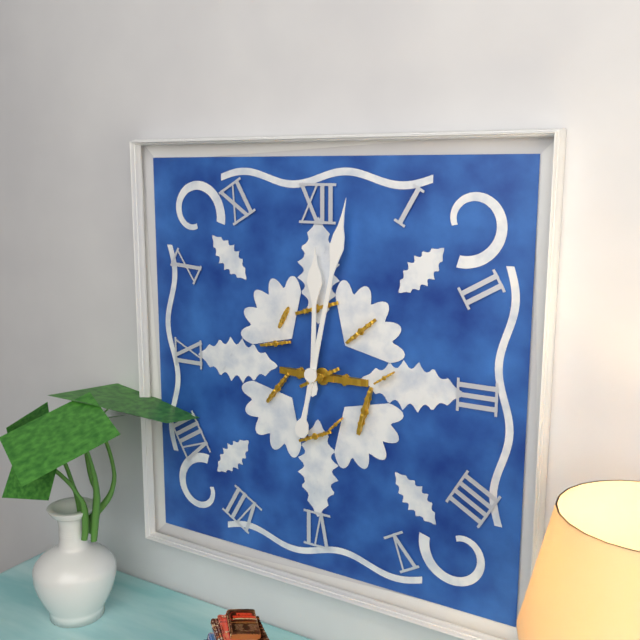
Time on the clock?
12:02
